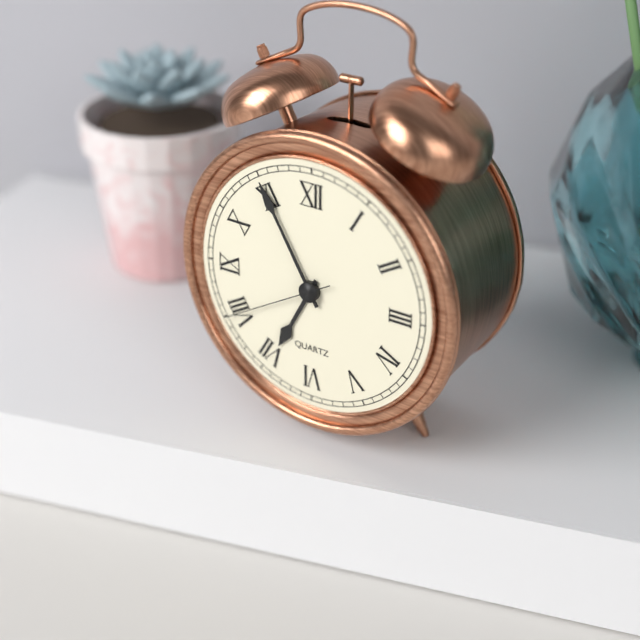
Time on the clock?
6:55:40
